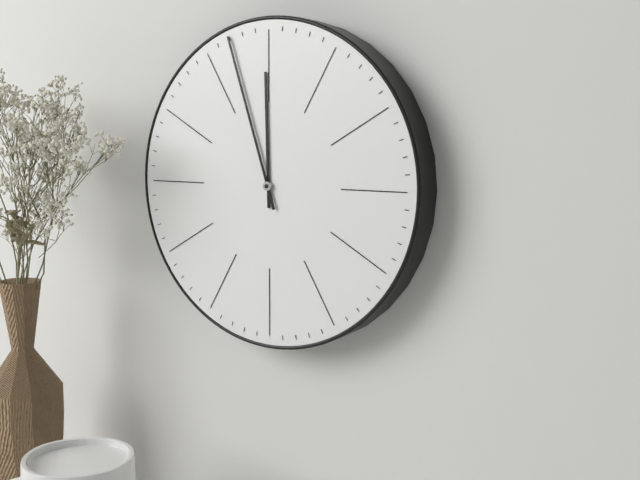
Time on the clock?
11:57
